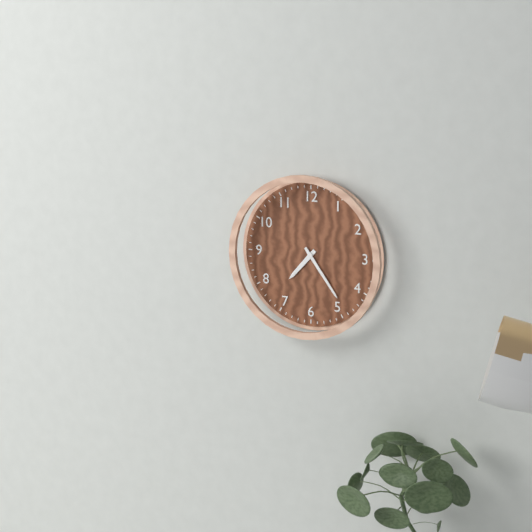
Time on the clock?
7:24
